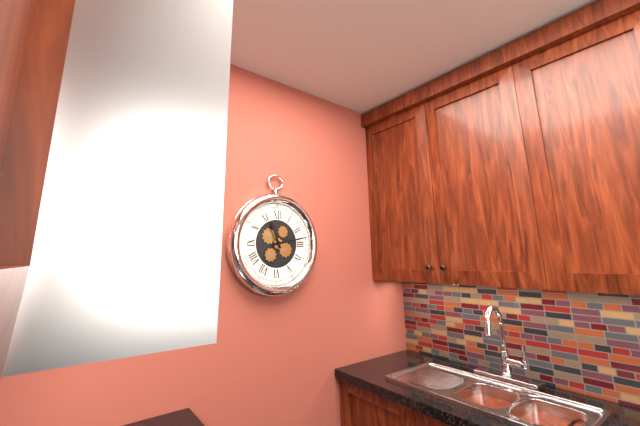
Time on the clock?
11:13
